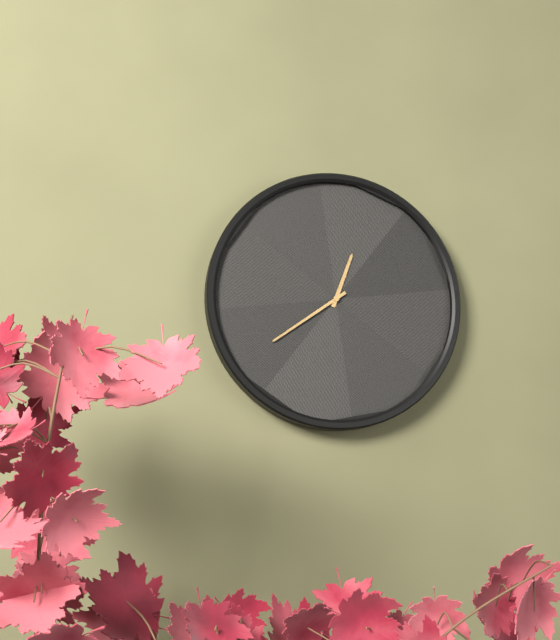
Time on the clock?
12:39
